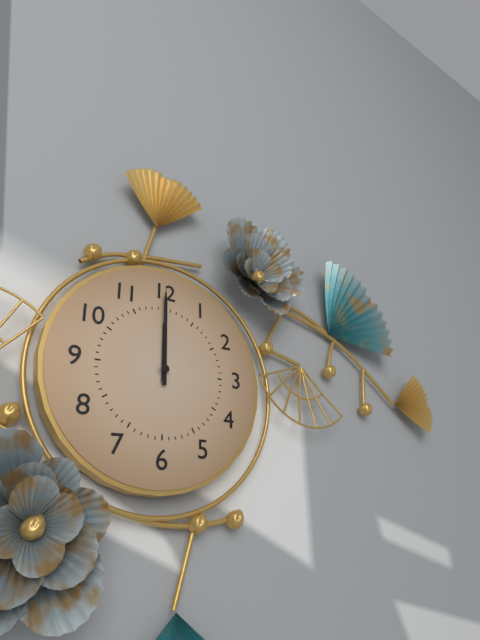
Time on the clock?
12:00
